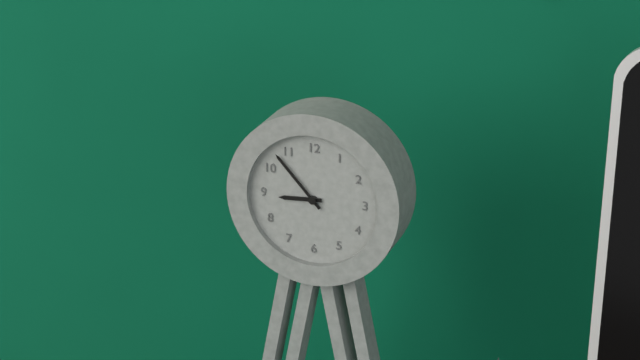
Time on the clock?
8:53
